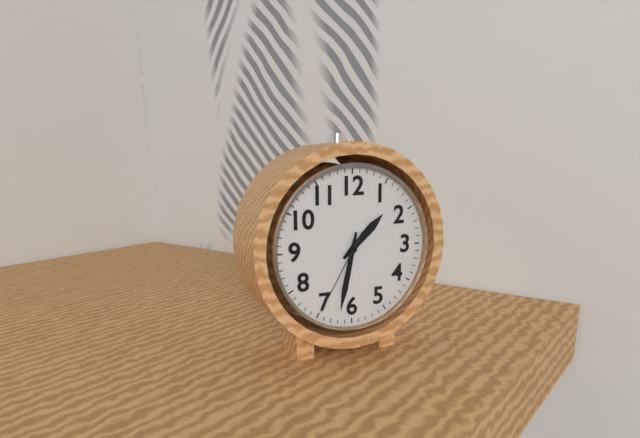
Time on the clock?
1:32:35
